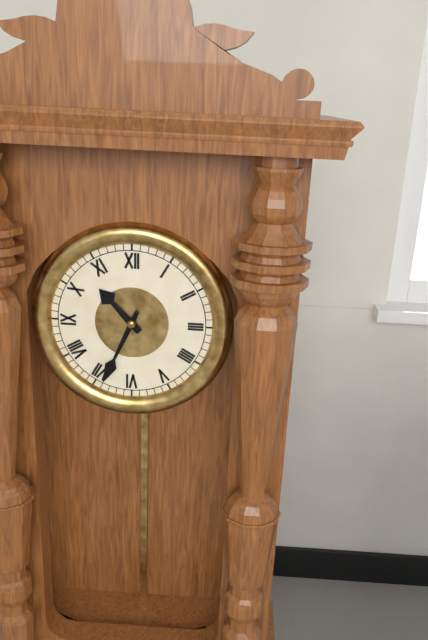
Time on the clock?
10:34
